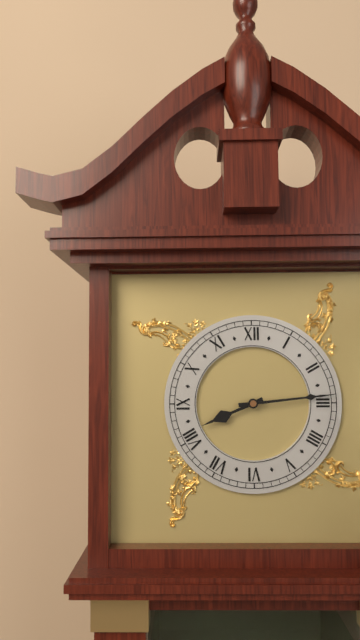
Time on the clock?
8:14
